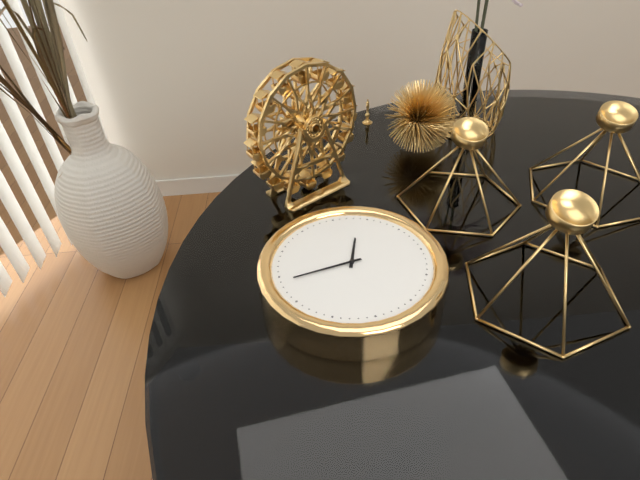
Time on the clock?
12:44
